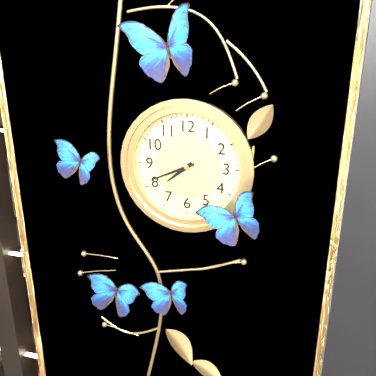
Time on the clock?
7:41
